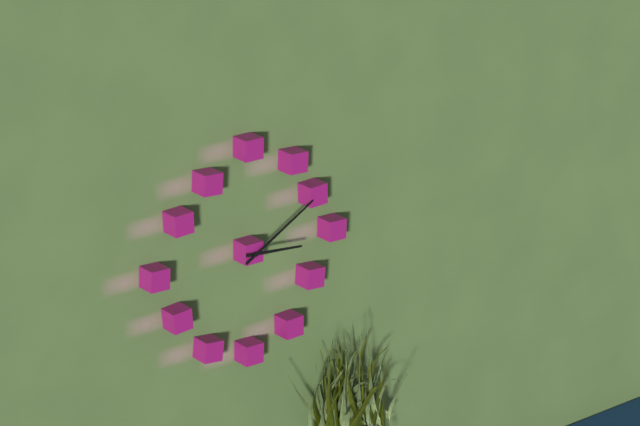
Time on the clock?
3:10
